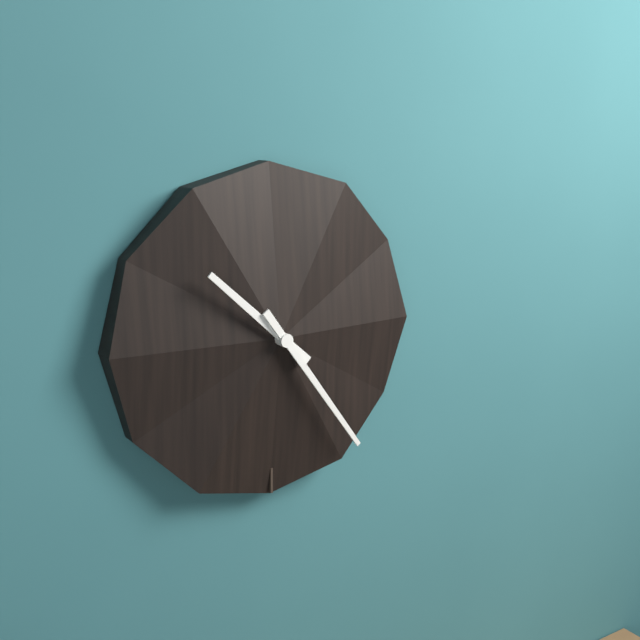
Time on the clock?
10:24
